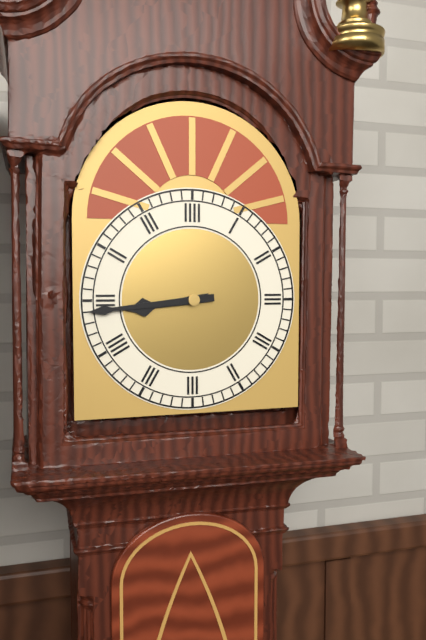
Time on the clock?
8:44
